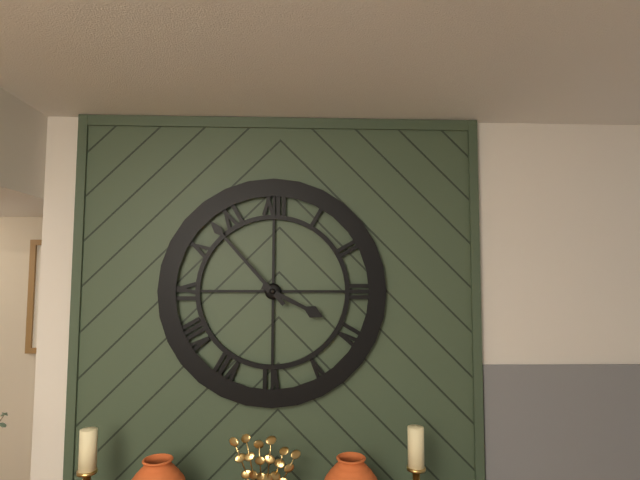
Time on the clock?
3:53
